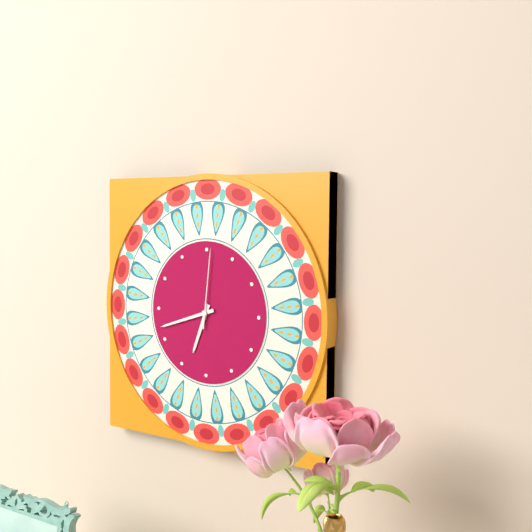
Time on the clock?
6:42:01
